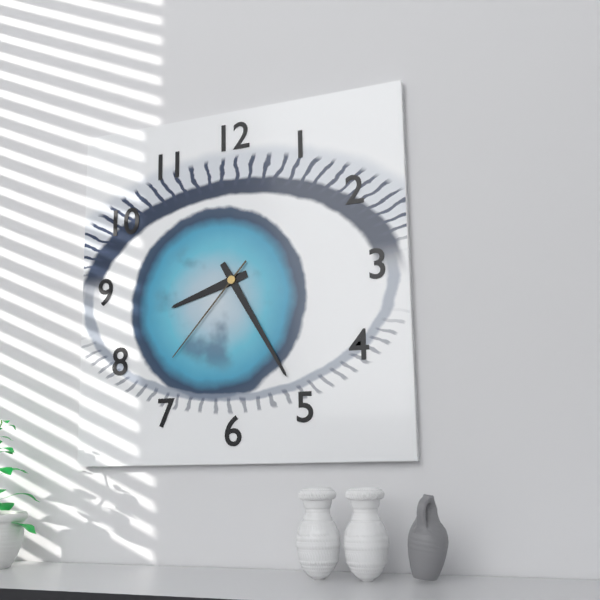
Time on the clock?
8:25:37
